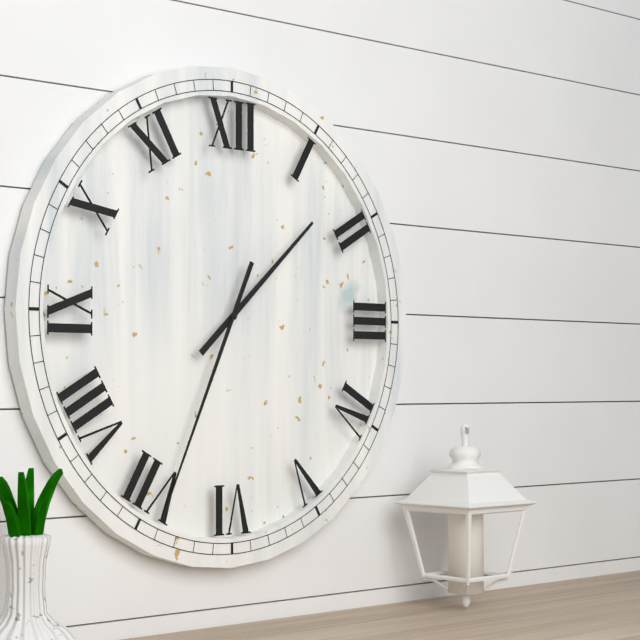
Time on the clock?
1:34
